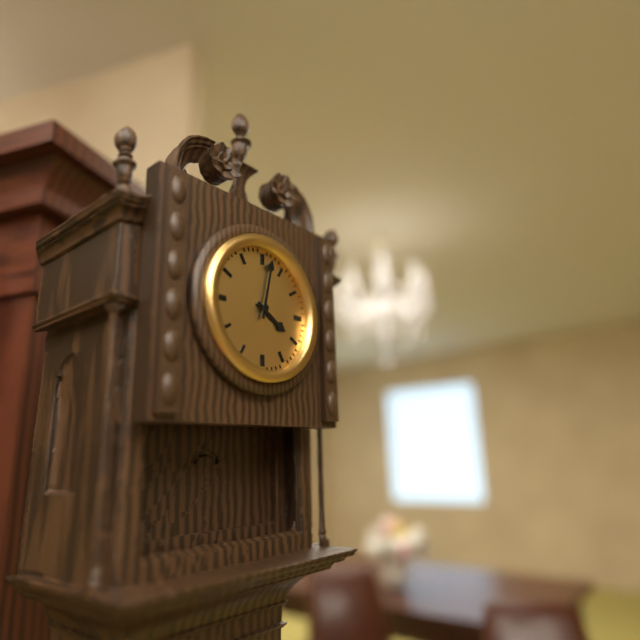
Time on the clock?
4:02
